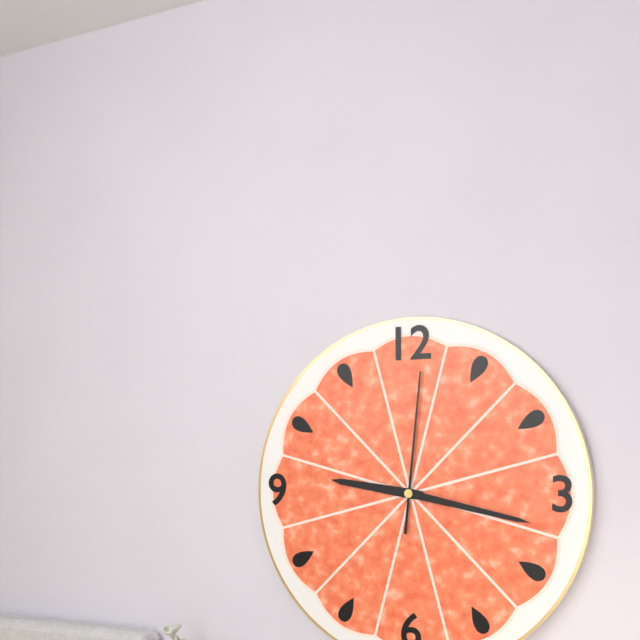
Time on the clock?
9:17:01
